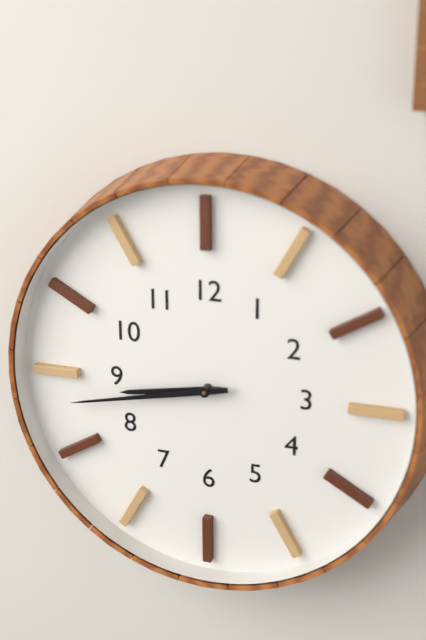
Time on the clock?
8:43
